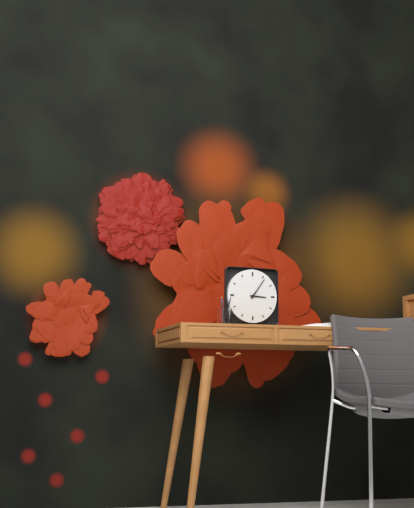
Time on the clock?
3:06
